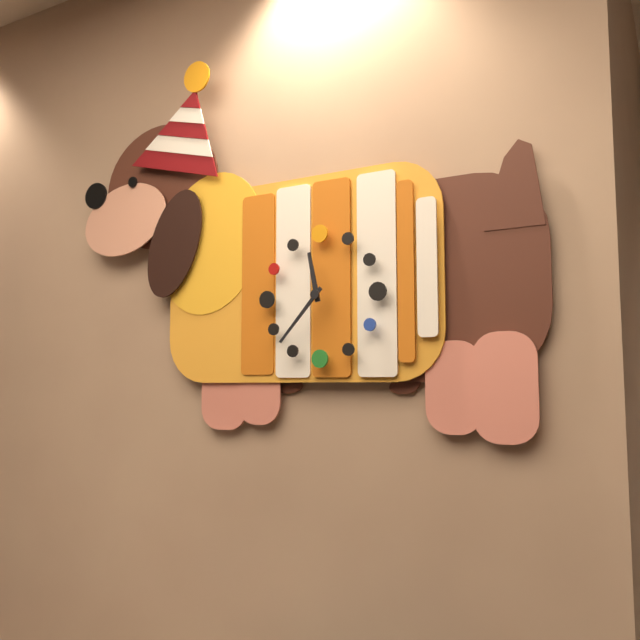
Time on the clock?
11:37
